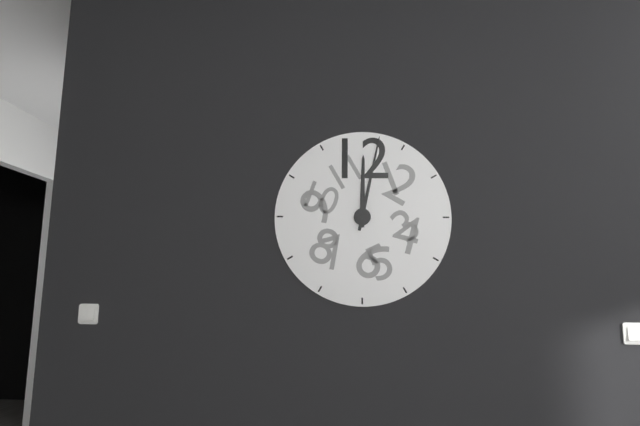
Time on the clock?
12:02
